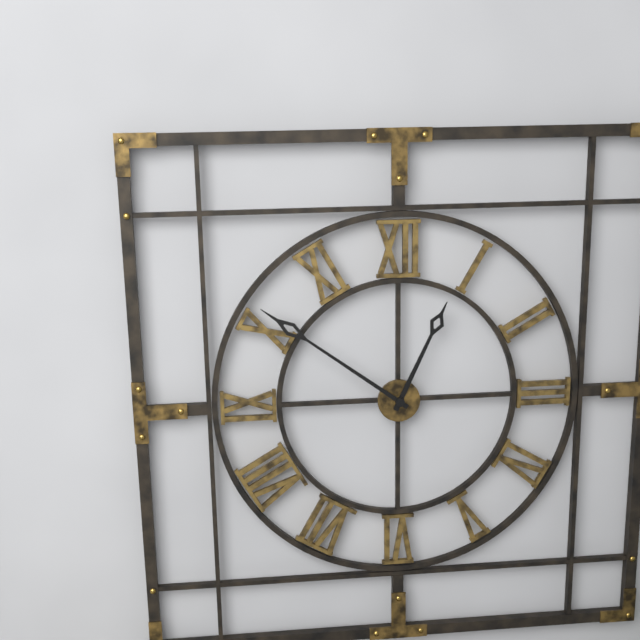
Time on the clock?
12:51
